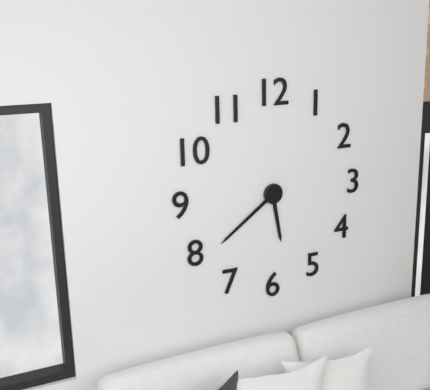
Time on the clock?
5:39
